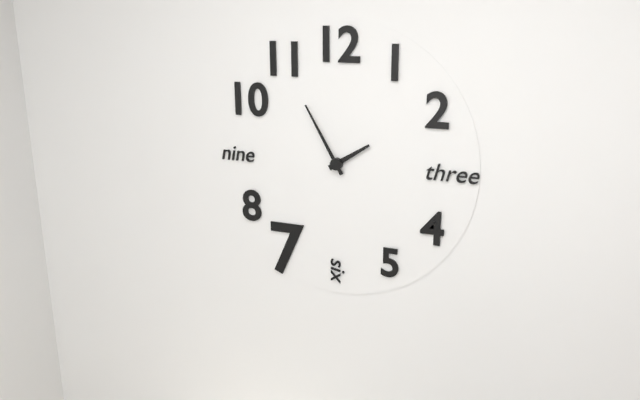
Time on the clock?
1:55
